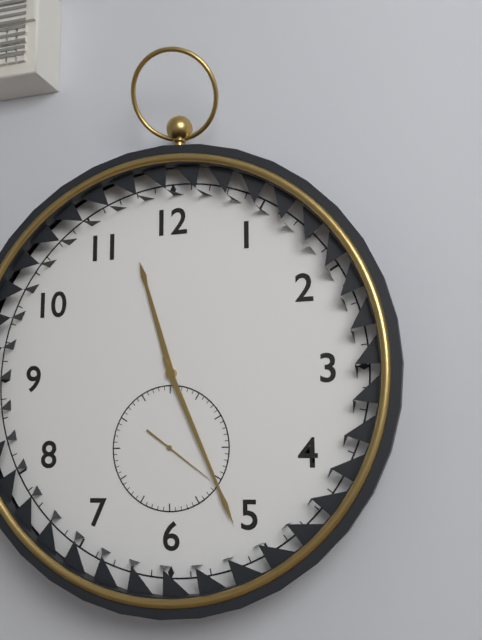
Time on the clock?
11:26:21
